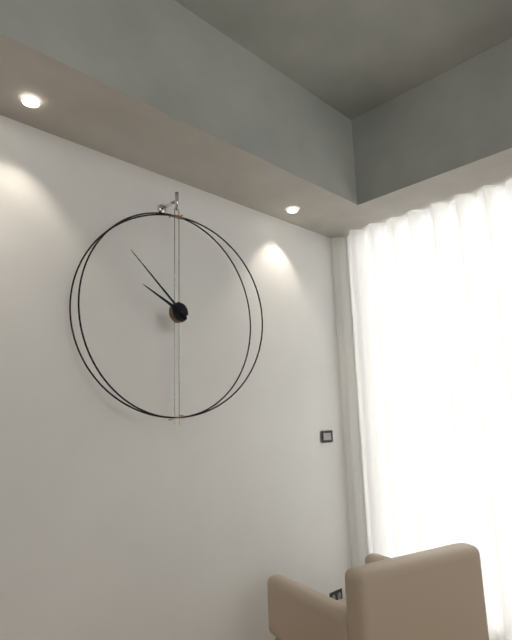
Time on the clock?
9:52
